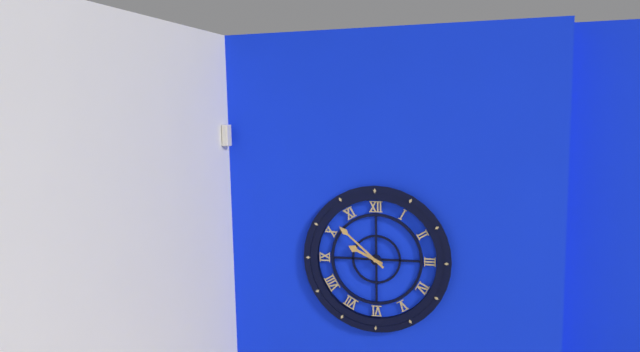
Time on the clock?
9:52
